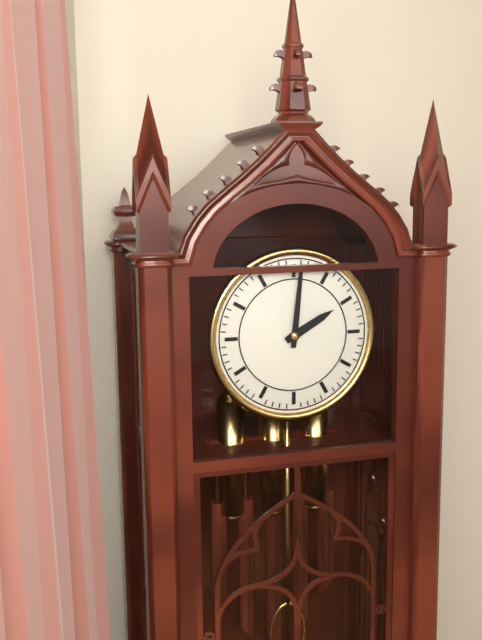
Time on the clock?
2:01
